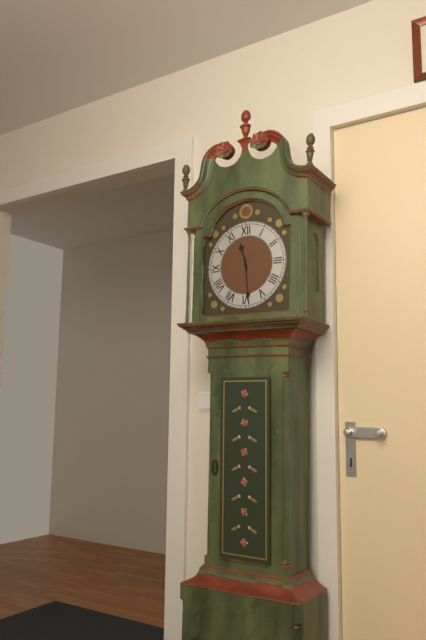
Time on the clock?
11:29
